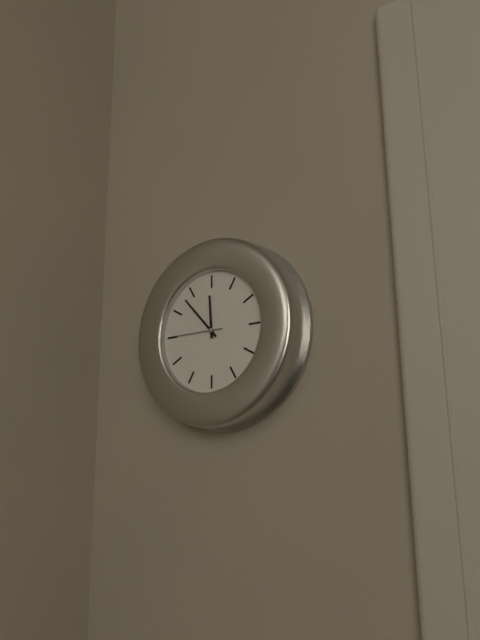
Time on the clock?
11:53:45
